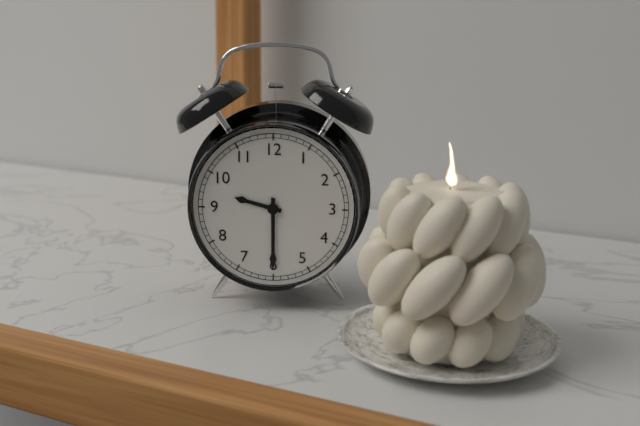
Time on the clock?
9:30
